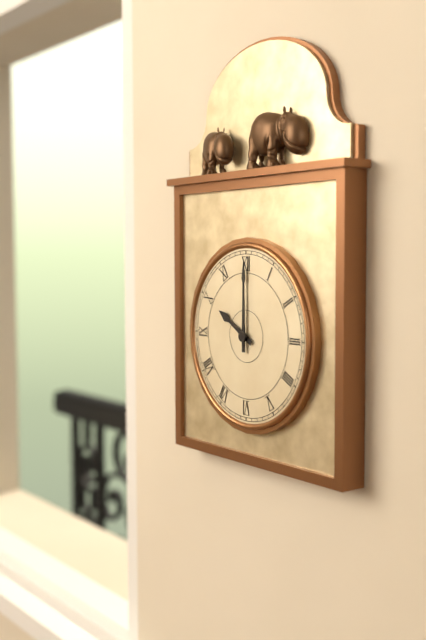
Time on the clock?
10:00
